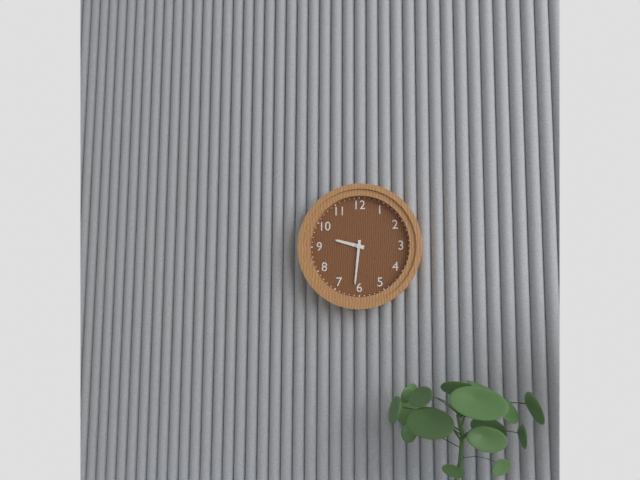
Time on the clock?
9:31
